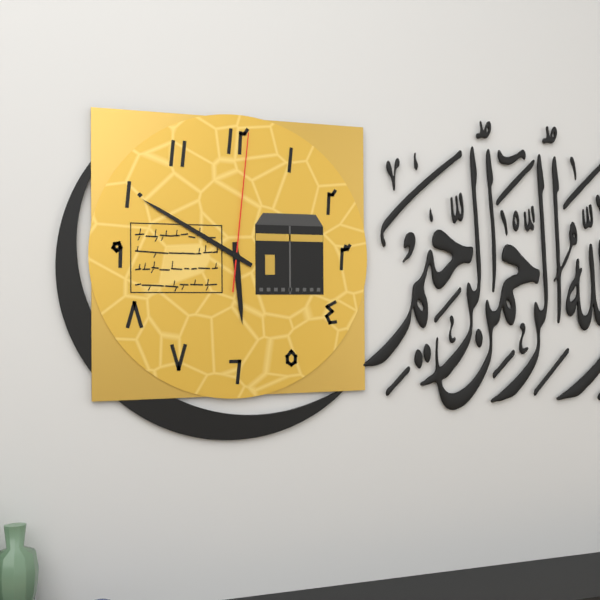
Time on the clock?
5:50:01
